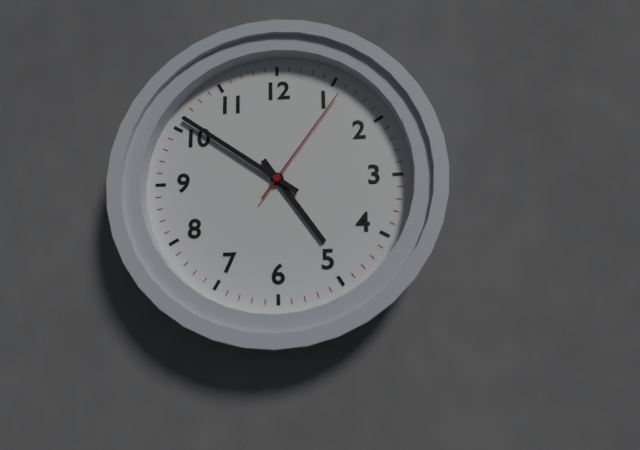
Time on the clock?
4:51:06
